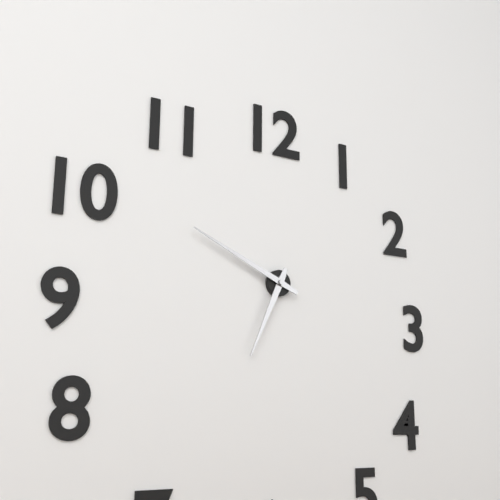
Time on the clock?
6:49
